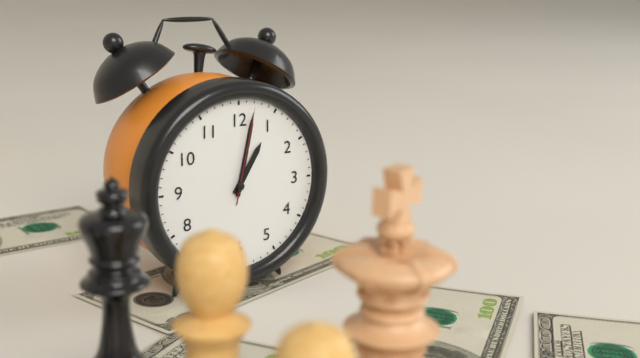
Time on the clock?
1:02:02
